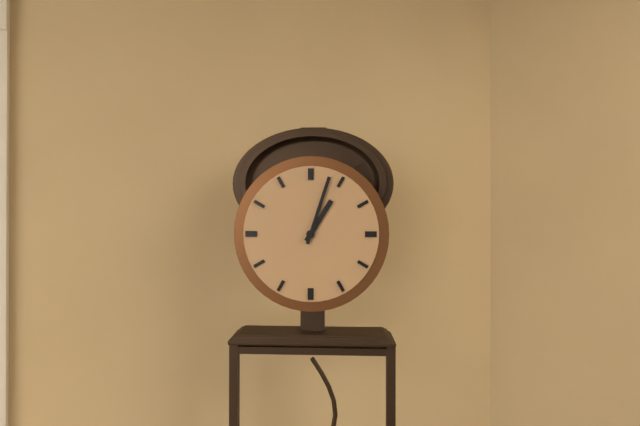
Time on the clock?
1:03
